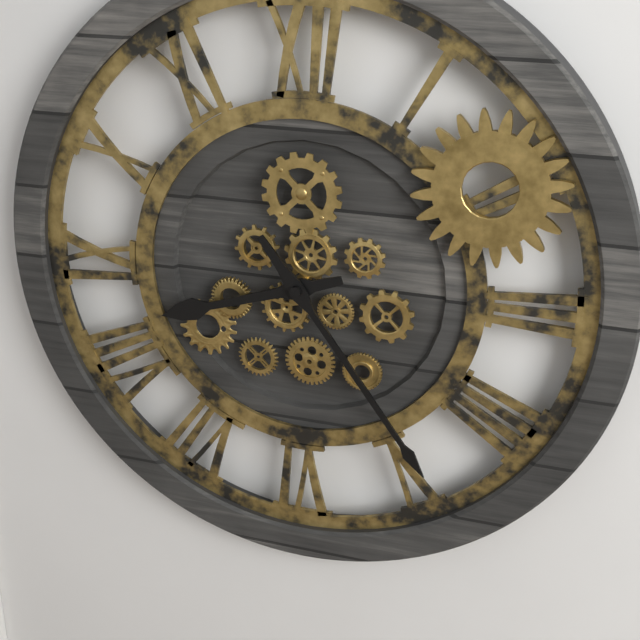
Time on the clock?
8:24
